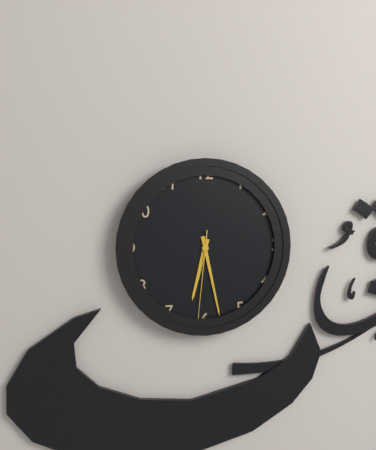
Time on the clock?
6:28:31
